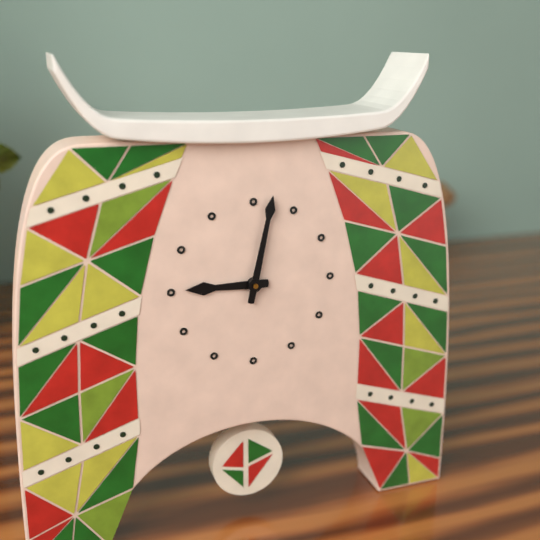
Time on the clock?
9:02
